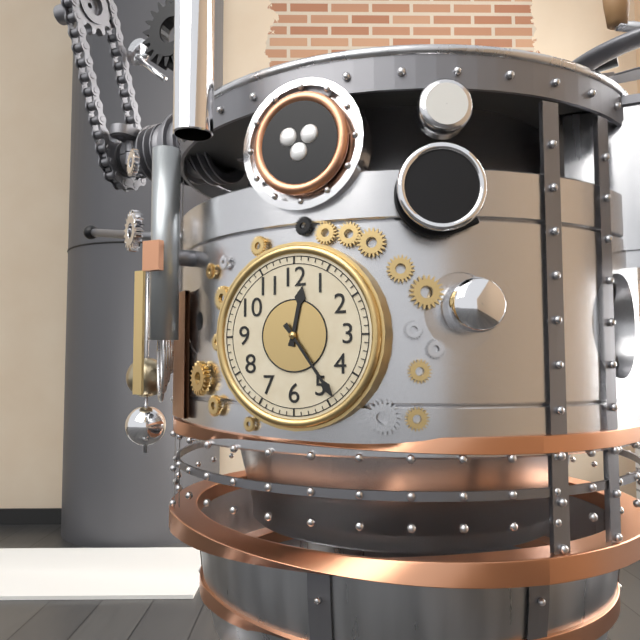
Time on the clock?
12:24
